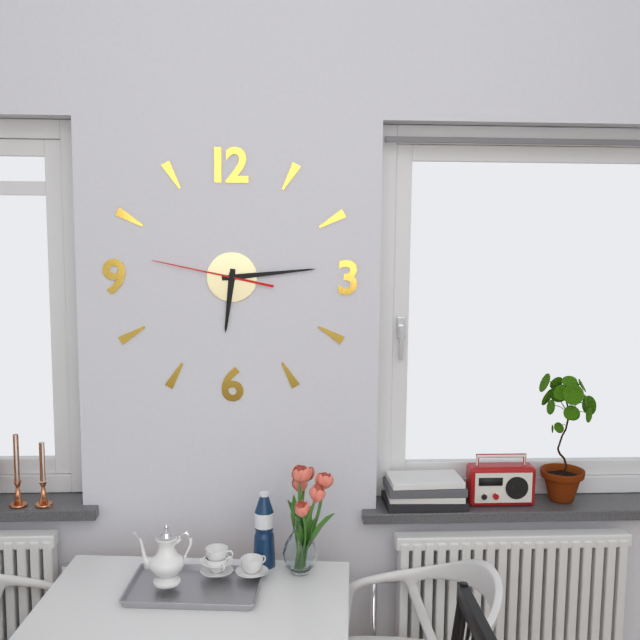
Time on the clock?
6:14:47
